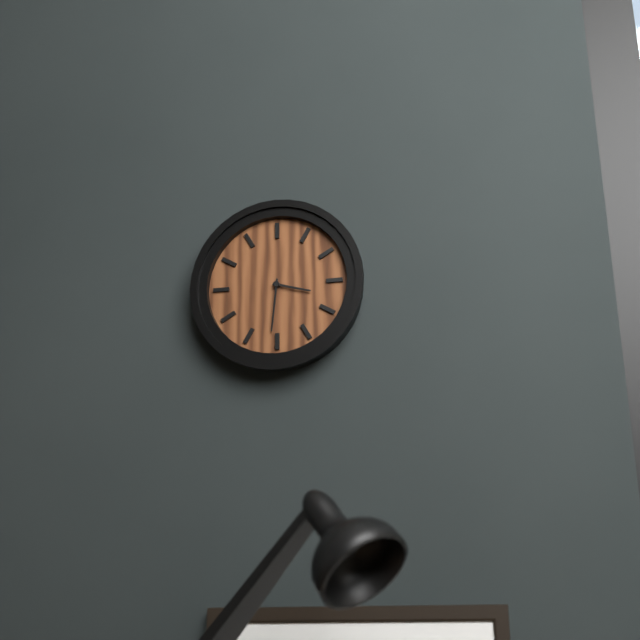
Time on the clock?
3:31
